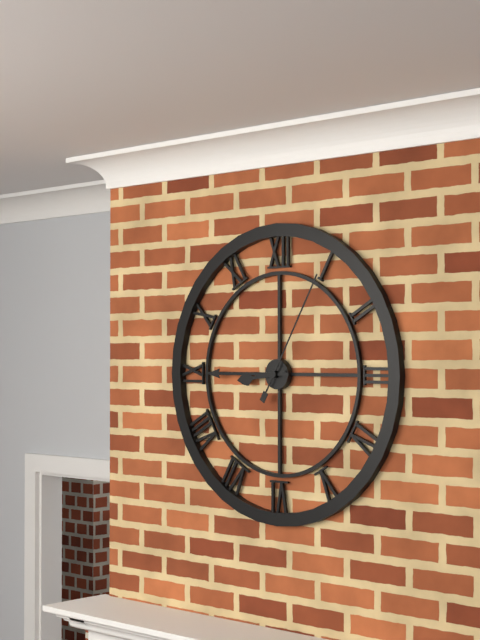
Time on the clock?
8:45:05
